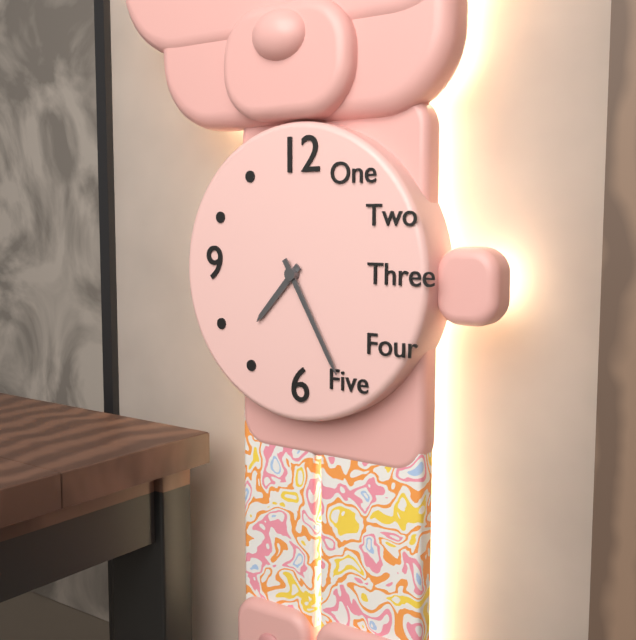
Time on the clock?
7:25
